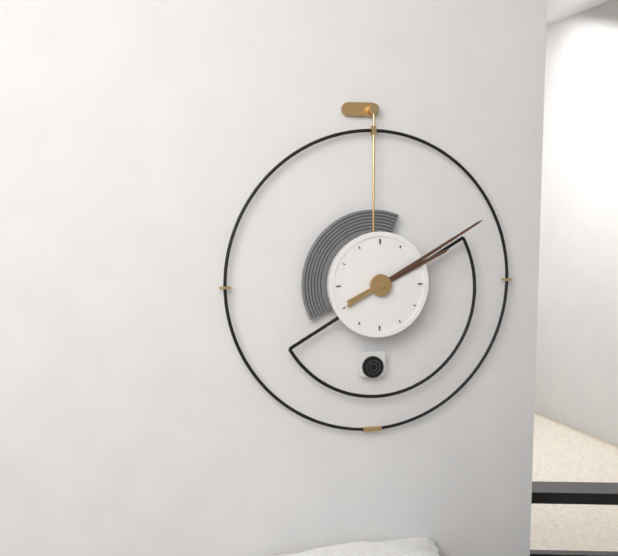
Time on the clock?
2:10
